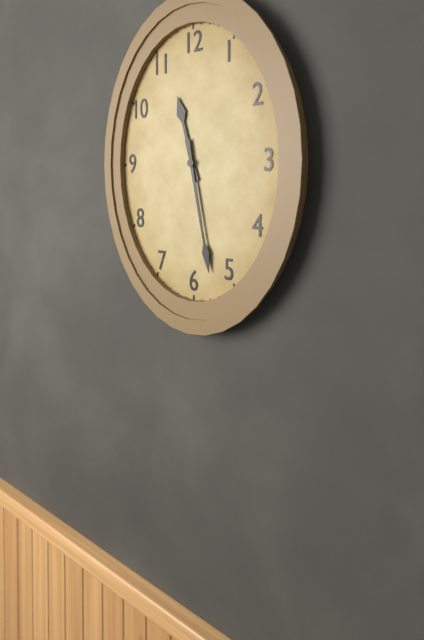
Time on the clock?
11:28
